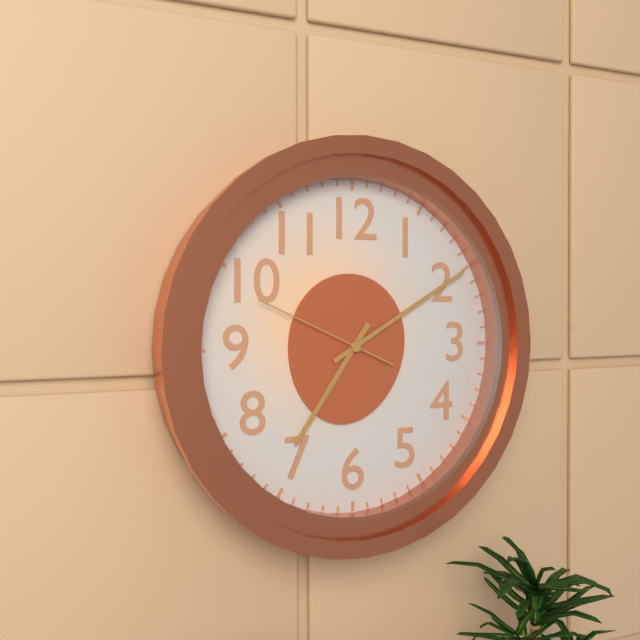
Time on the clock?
7:10:49
